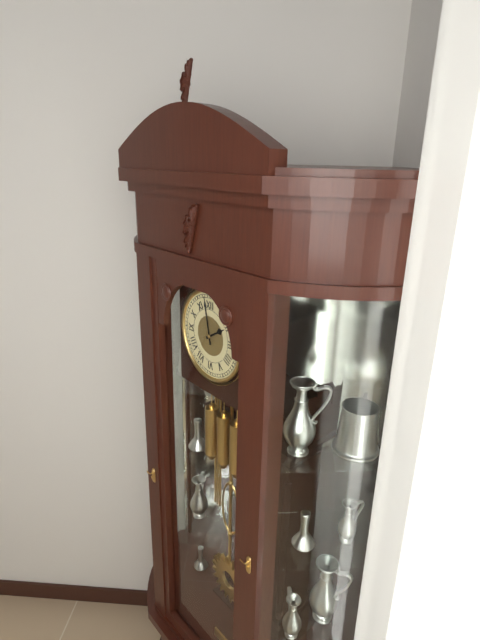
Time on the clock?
1:58
